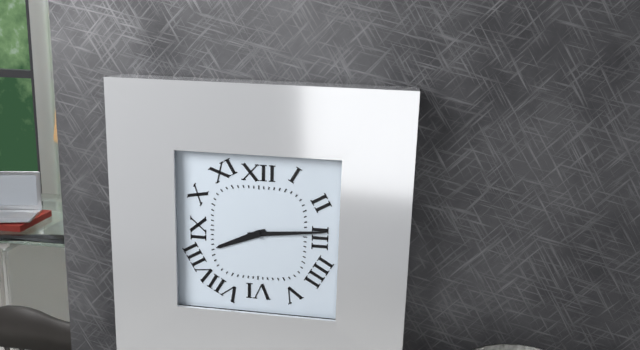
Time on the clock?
8:14
